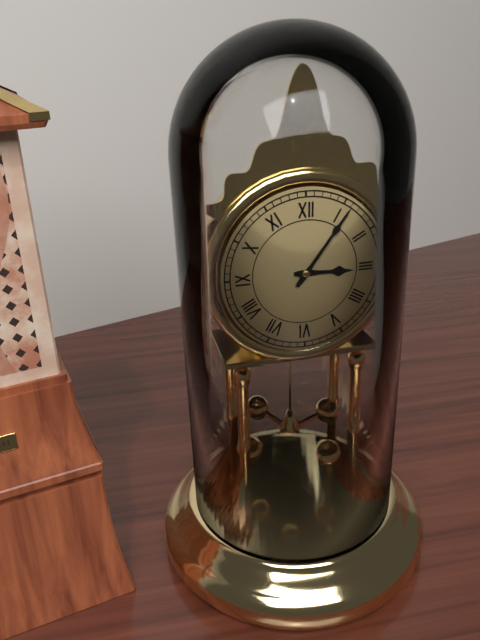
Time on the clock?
3:06
